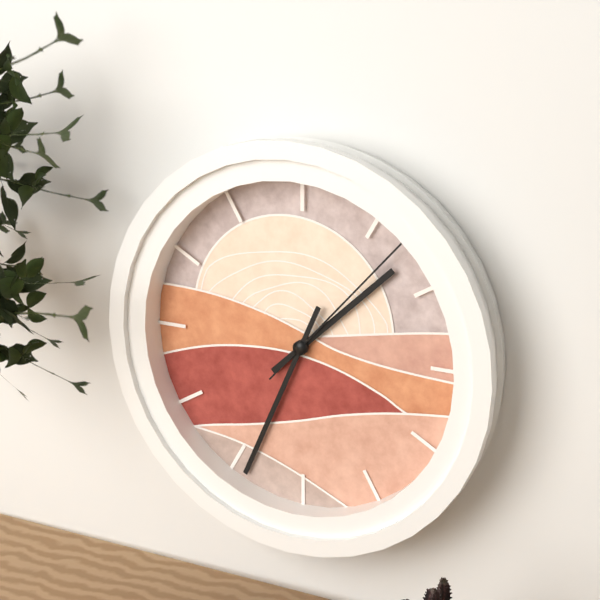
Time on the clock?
1:34:07
